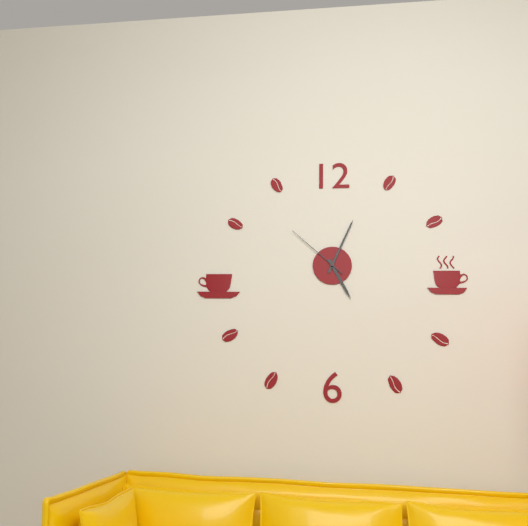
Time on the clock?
5:04:52
